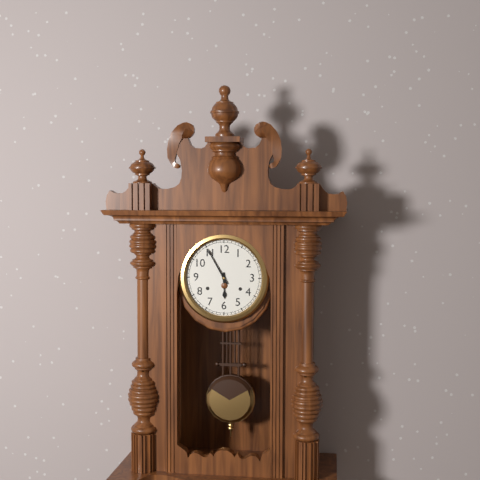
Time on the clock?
5:55
